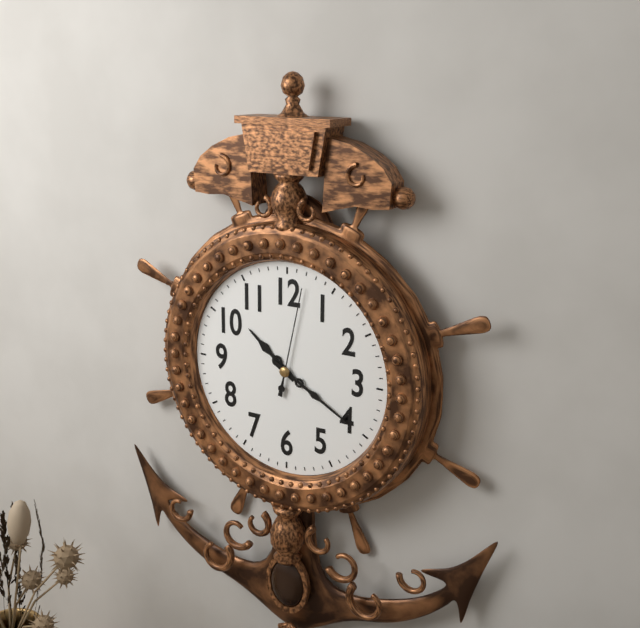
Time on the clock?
10:20:02
